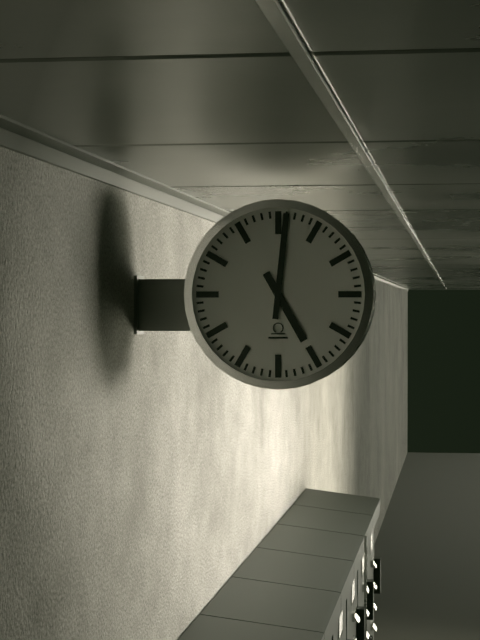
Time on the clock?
5:01
